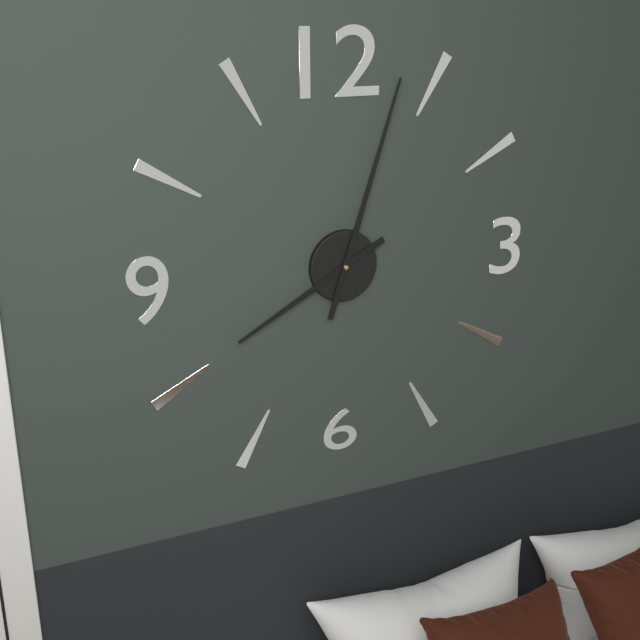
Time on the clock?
8:03
